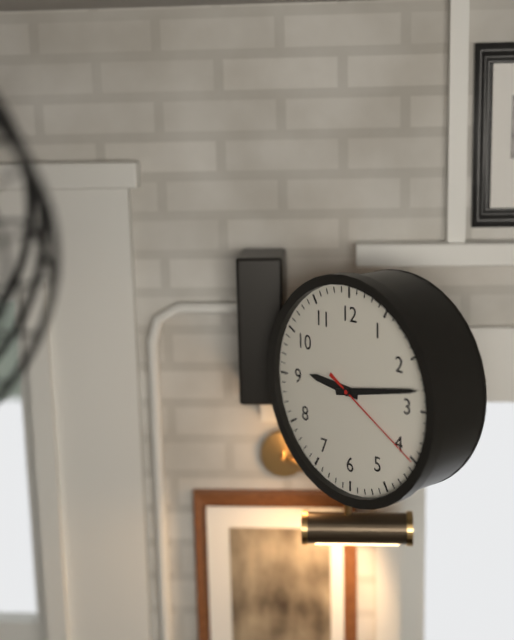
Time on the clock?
9:13:20
